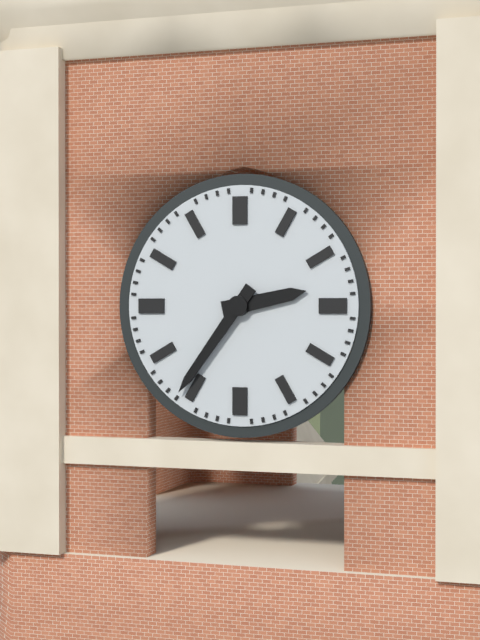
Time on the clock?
2:36
